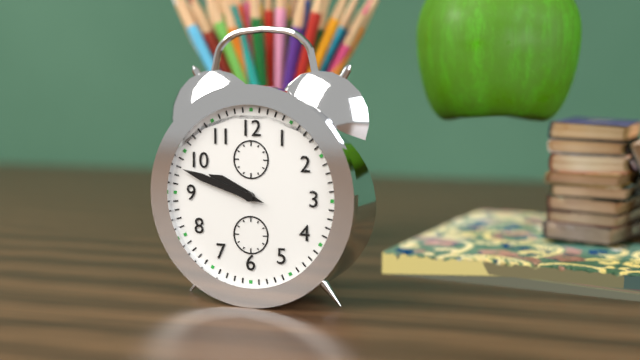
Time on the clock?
9:48
